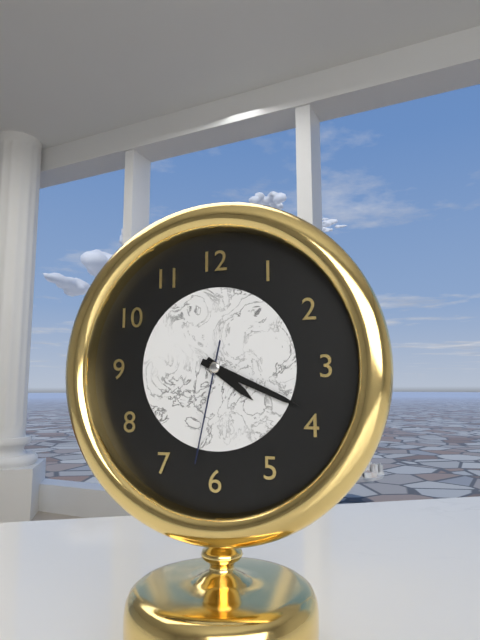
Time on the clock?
4:19:32
